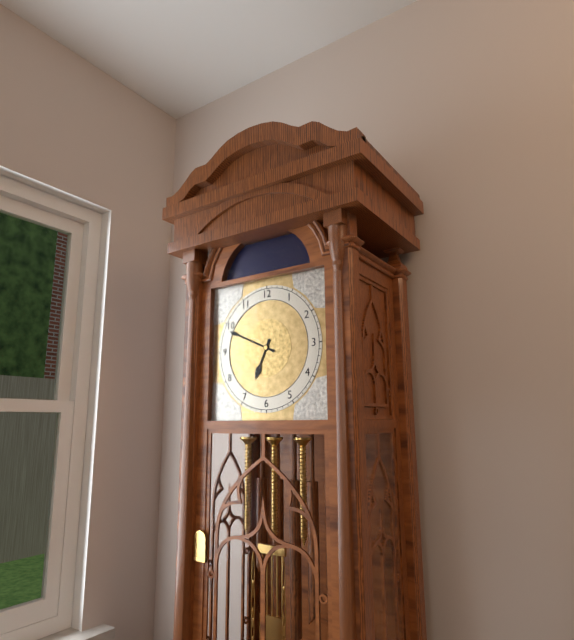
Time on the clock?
6:49
